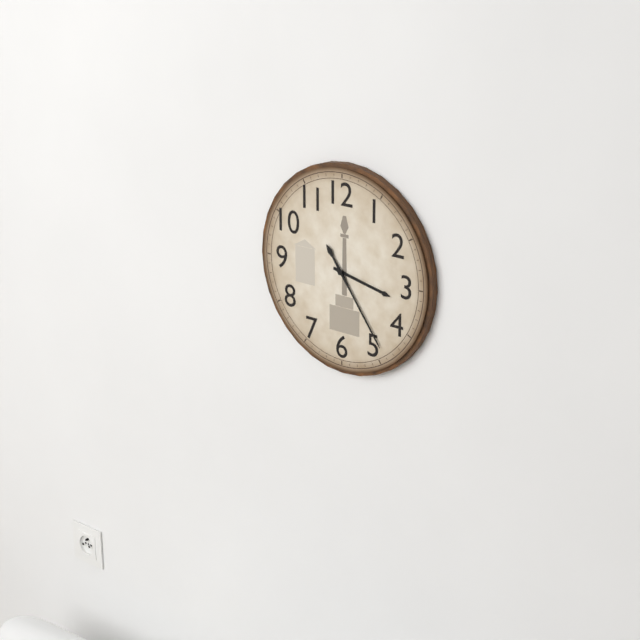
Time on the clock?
3:24
